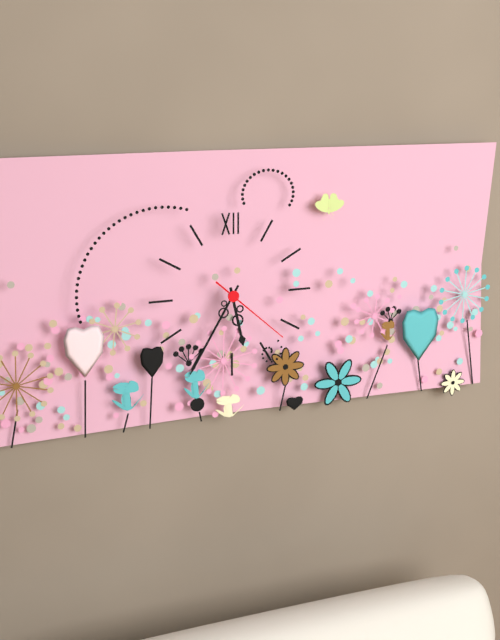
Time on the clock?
5:35:22
